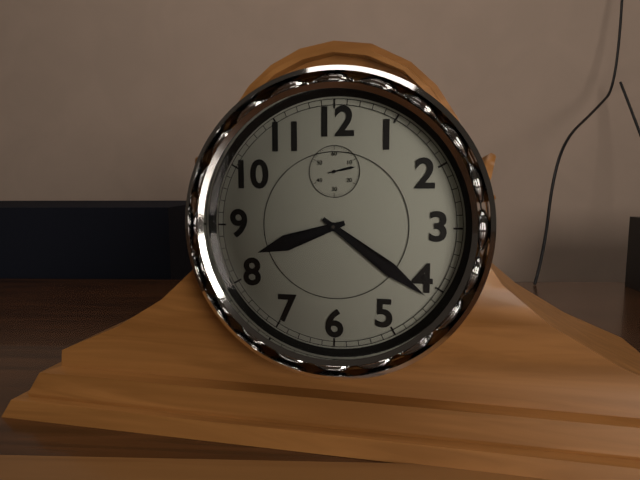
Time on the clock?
8:21
